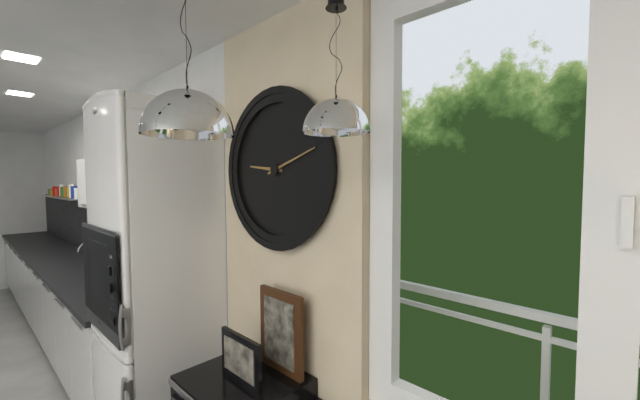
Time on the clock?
9:12
